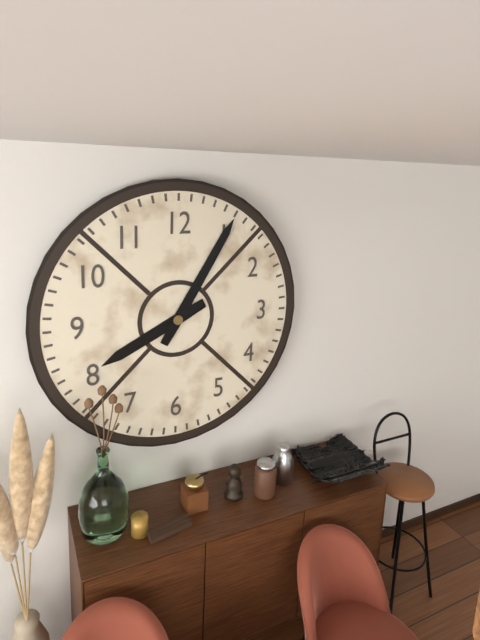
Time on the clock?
8:05
